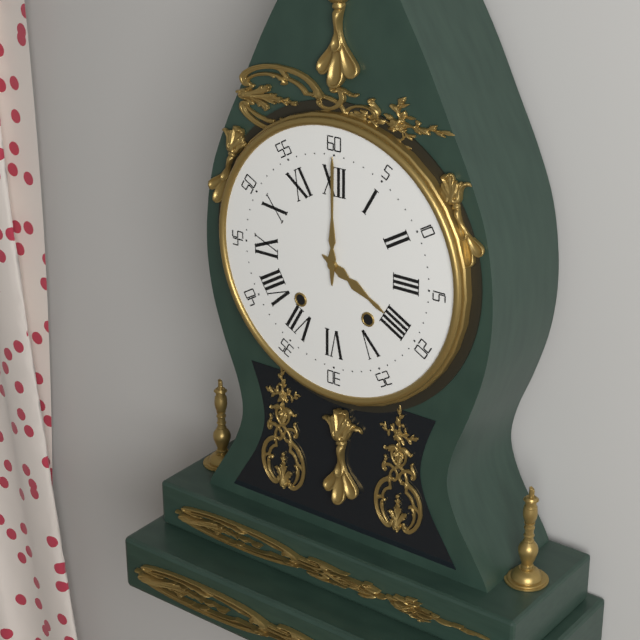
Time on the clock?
4:00
